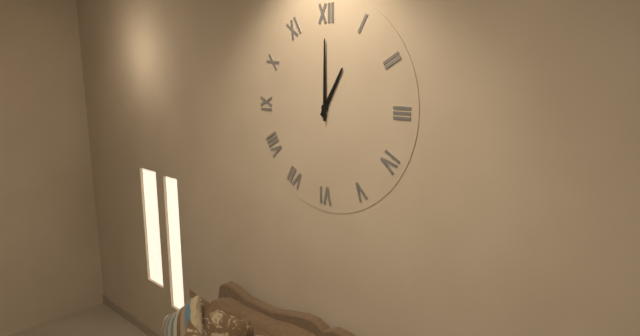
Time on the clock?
1:00
